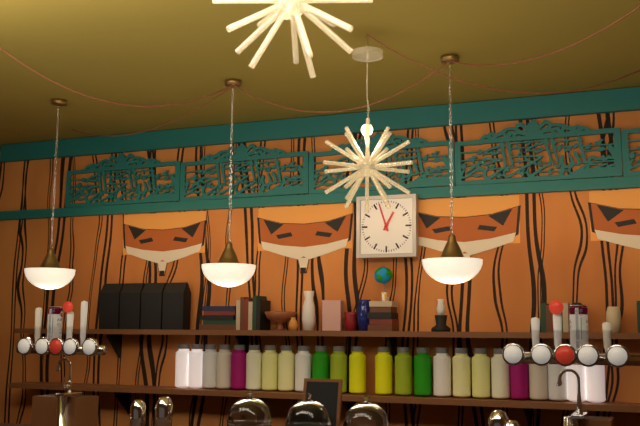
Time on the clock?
12:57
